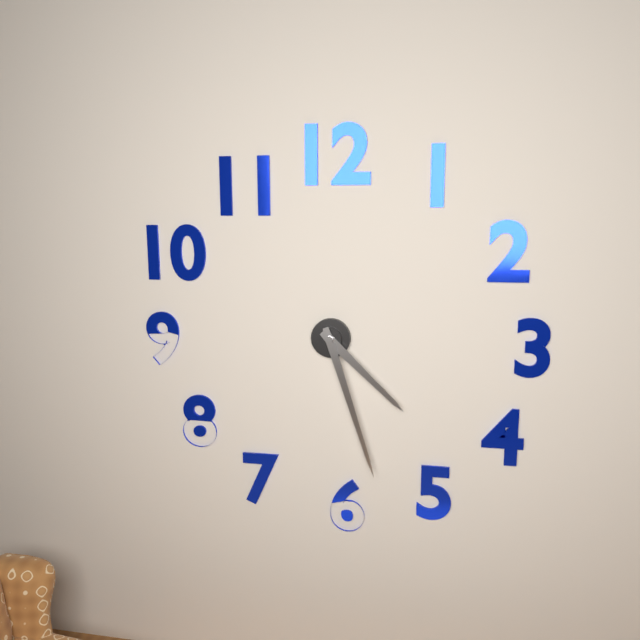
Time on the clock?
4:27
